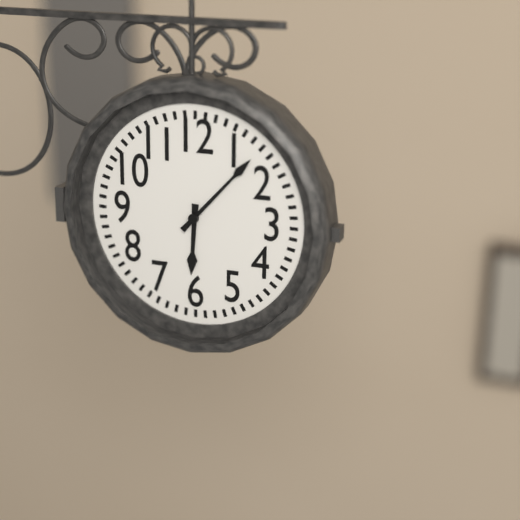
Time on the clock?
6:07
